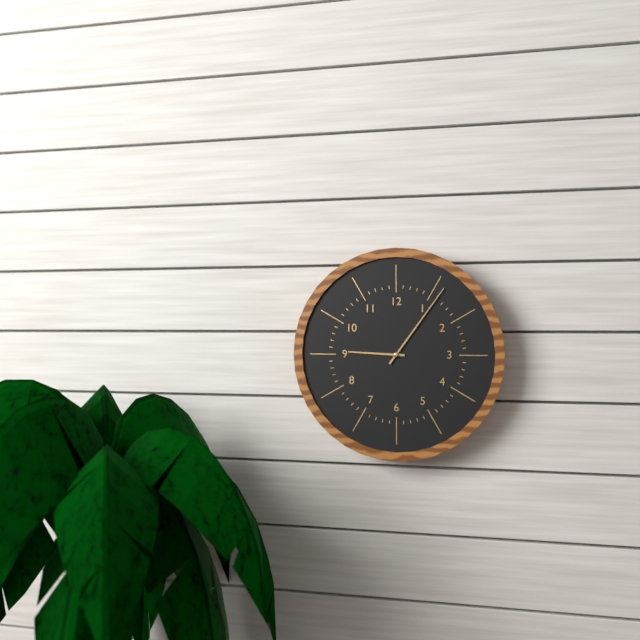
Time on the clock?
9:06
